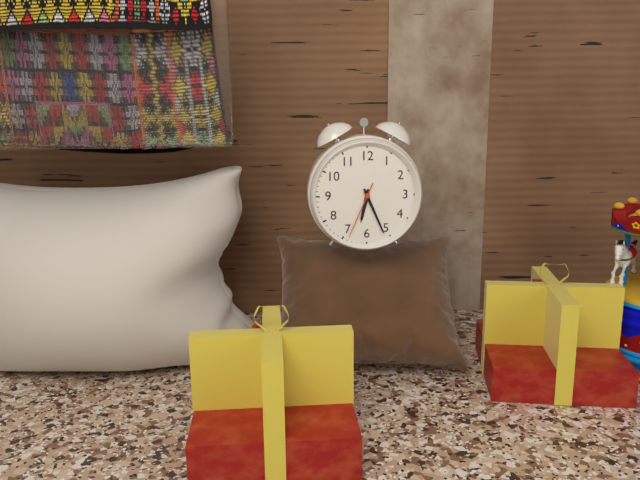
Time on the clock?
6:26:34
